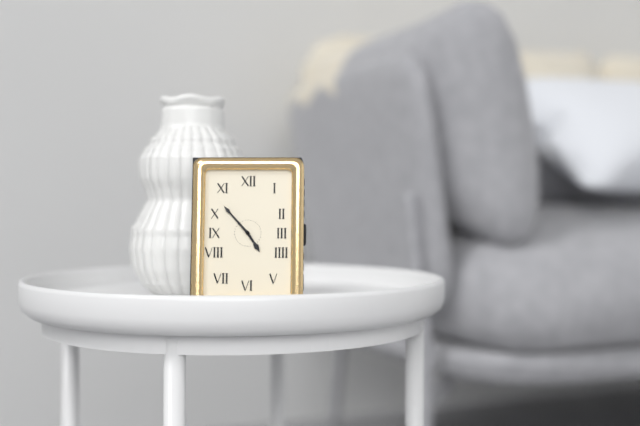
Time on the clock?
4:53
